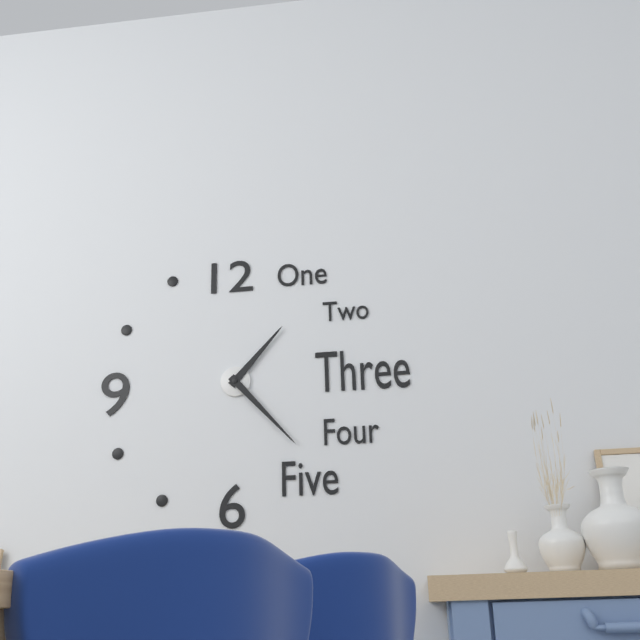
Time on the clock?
1:23
